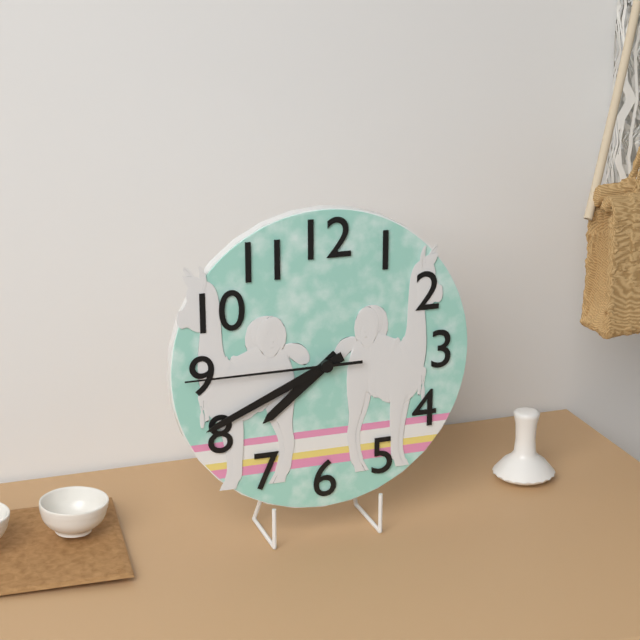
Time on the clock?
7:41:45
